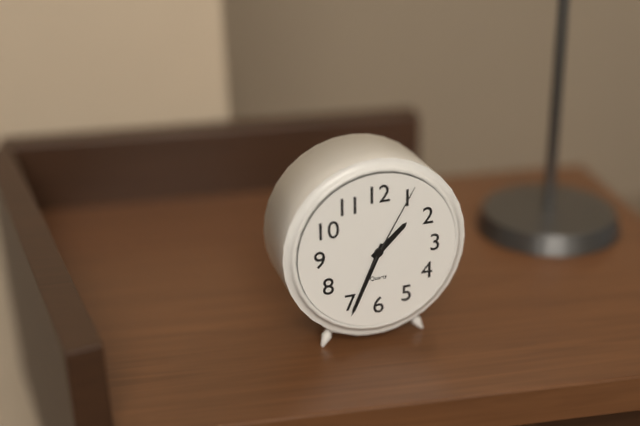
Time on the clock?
1:34:05
